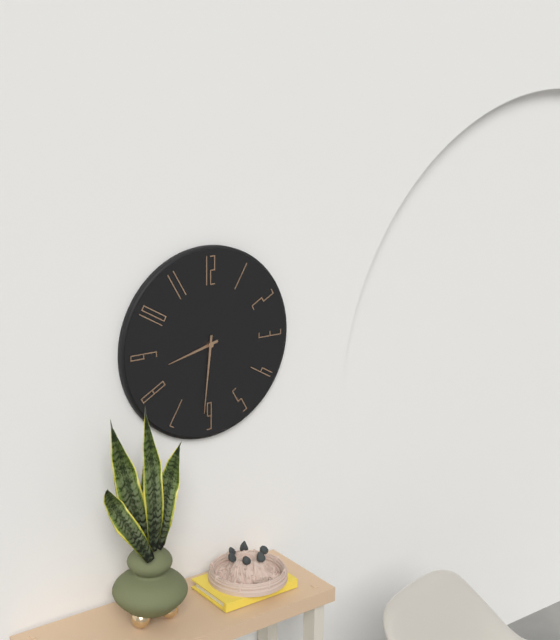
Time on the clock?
8:31
